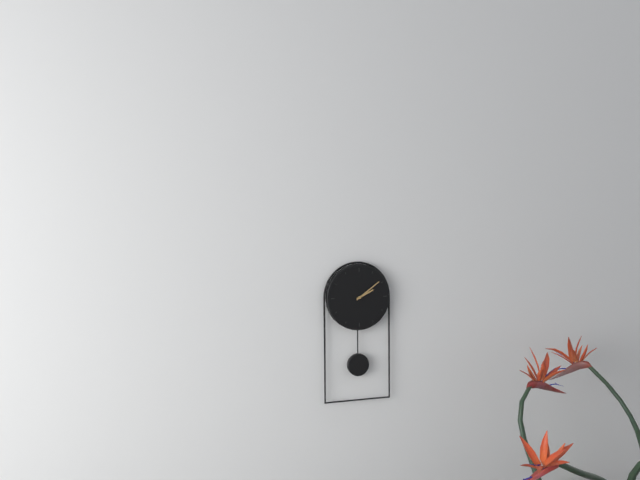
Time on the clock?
2:09
